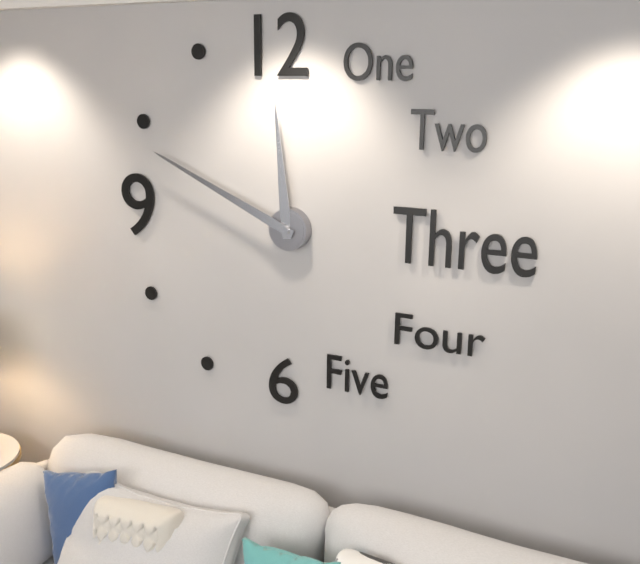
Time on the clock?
11:49
